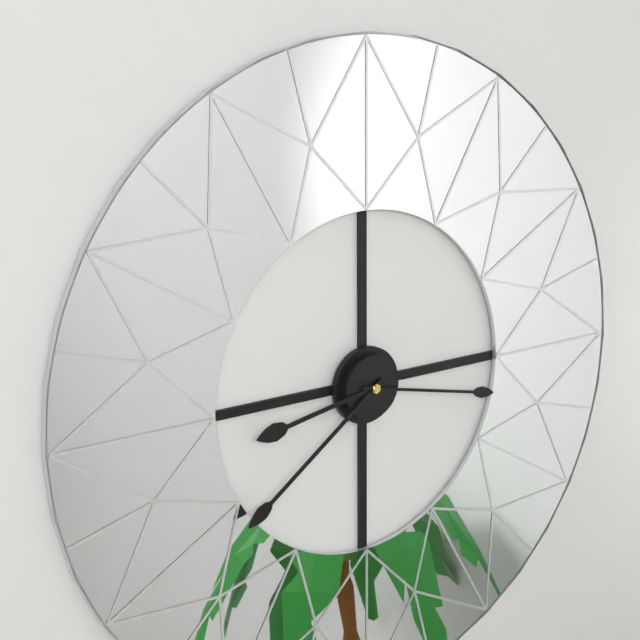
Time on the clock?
8:39:17
